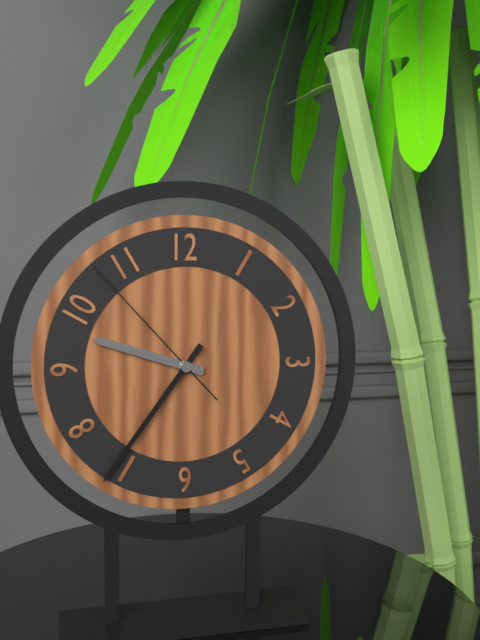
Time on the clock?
9:36:53
